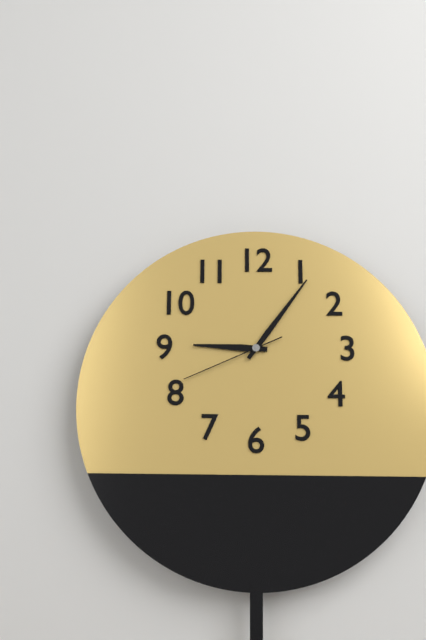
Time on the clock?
9:06:41
